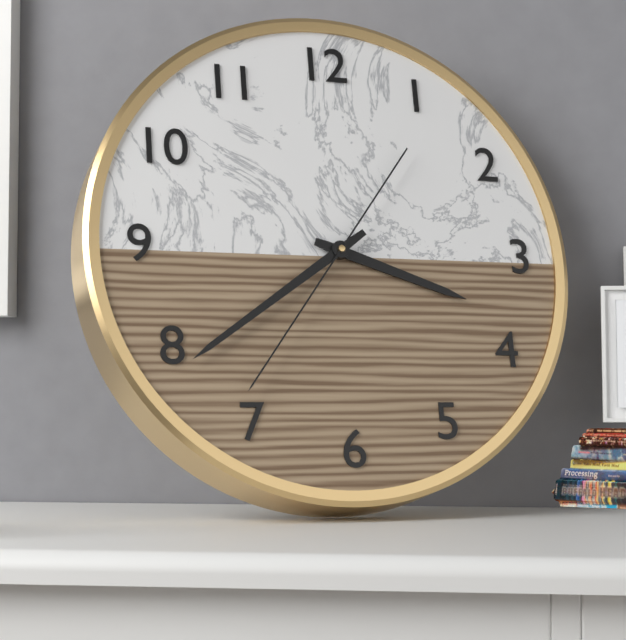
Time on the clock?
3:39:36
